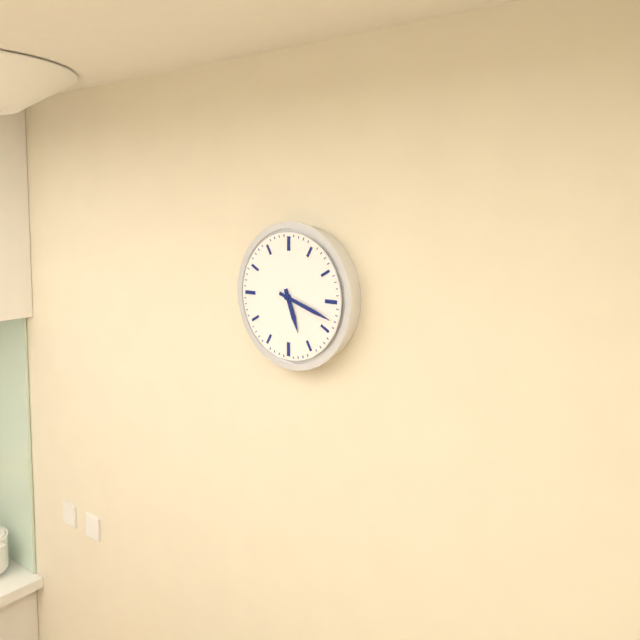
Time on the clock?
5:18
